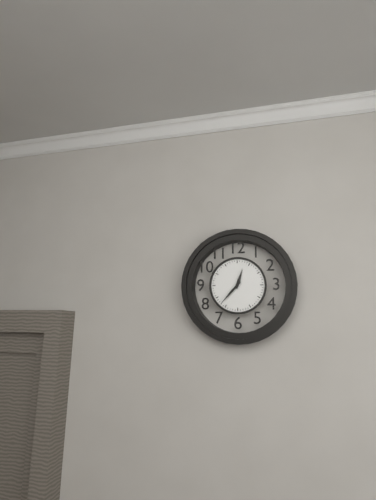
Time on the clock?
12:37
